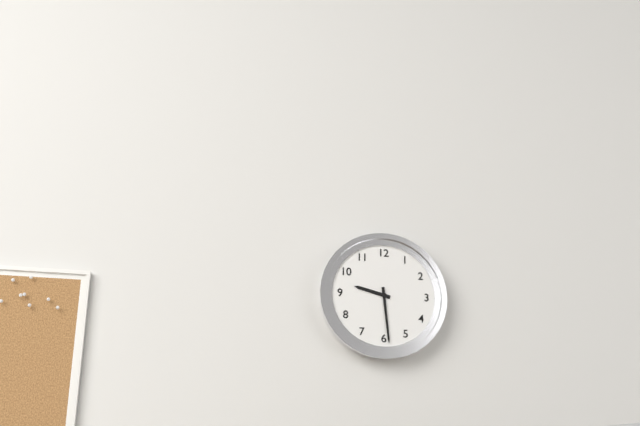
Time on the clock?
9:29
